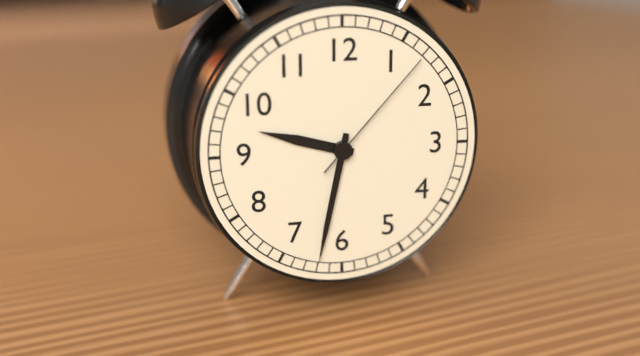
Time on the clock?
9:32:07
